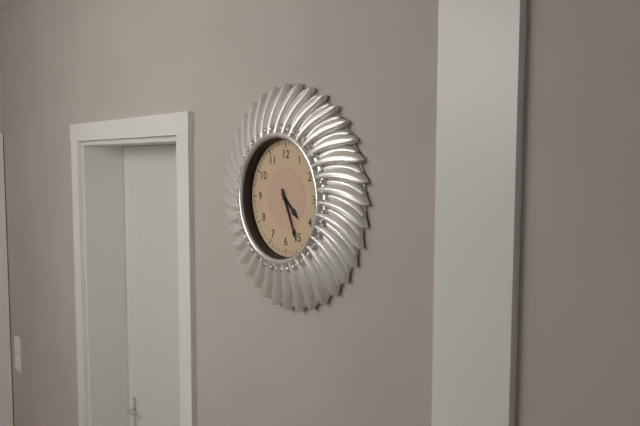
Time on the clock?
4:26
